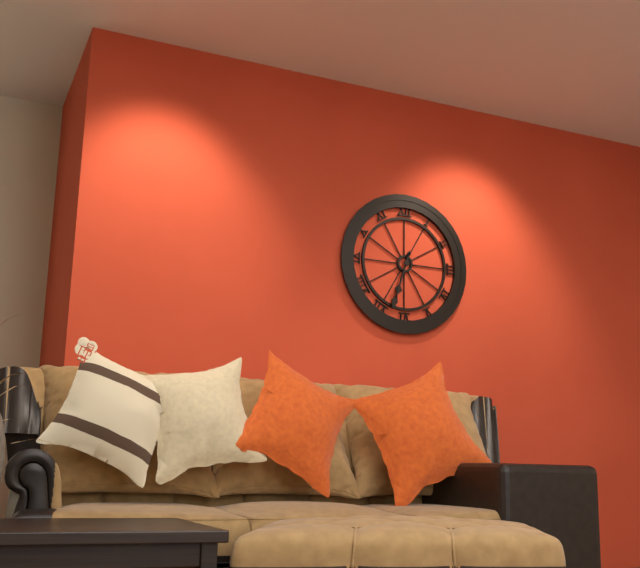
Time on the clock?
6:33
